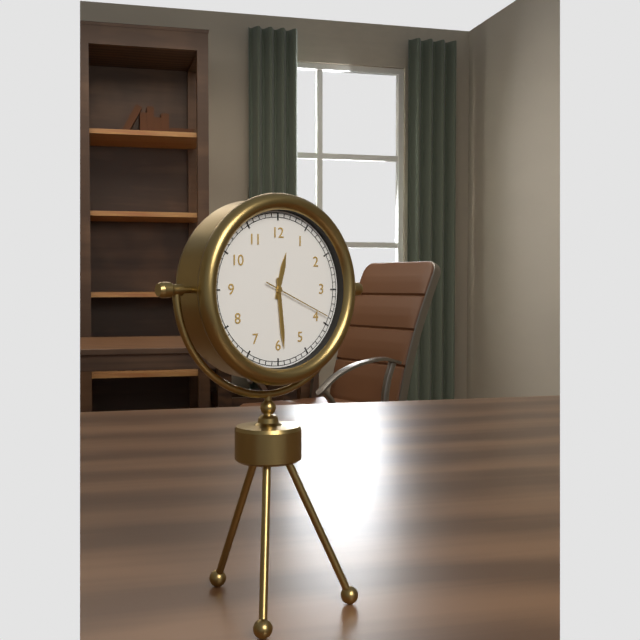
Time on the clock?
12:29:19
